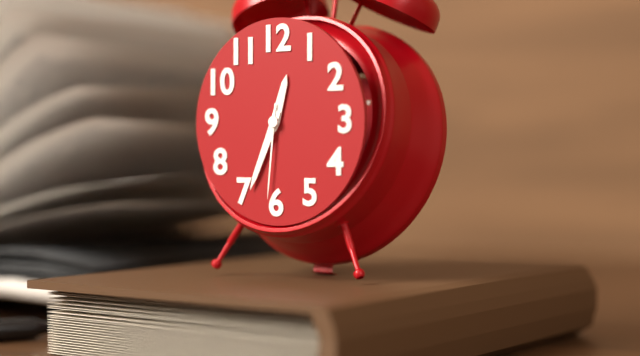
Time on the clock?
12:34:31
